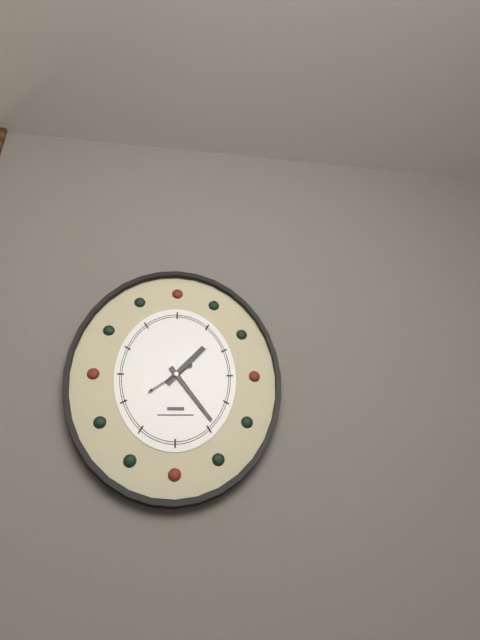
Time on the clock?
1:24
